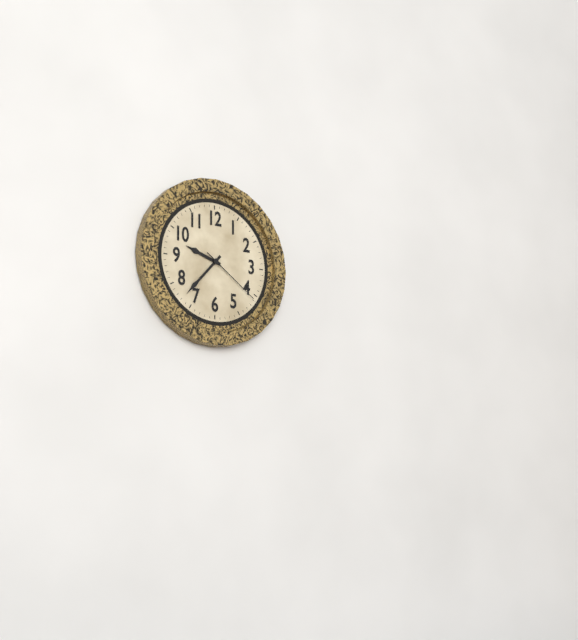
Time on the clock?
9:37:21
